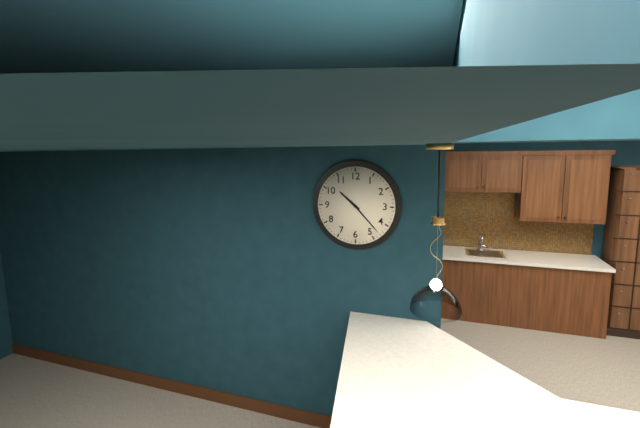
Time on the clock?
10:23
